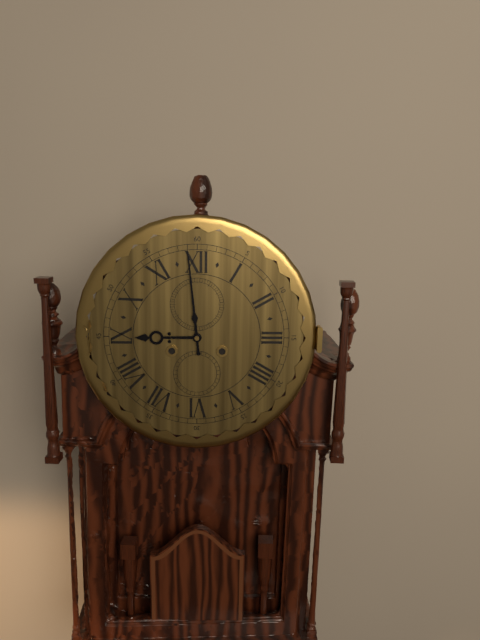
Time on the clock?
8:59
